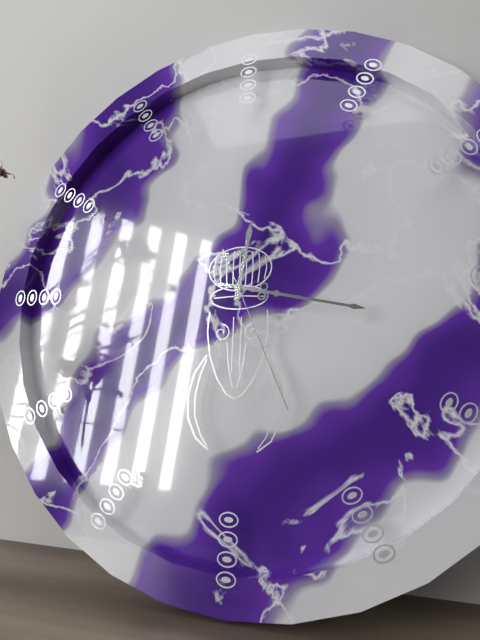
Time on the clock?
12:17:26
